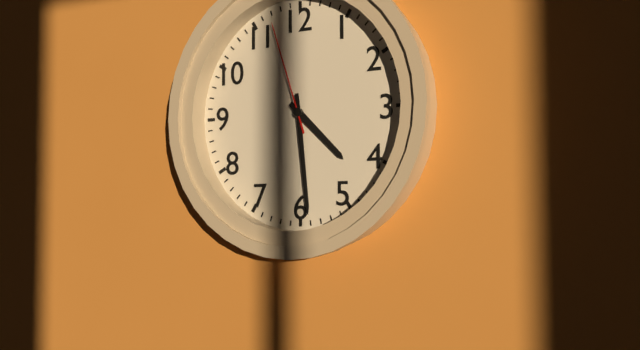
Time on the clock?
4:29:57
